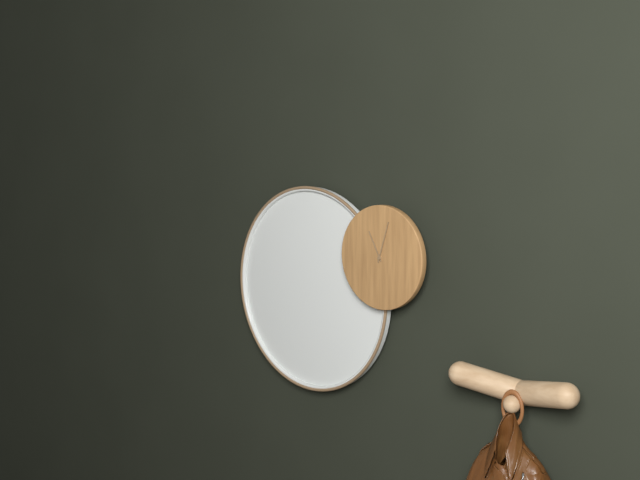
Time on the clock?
11:03
